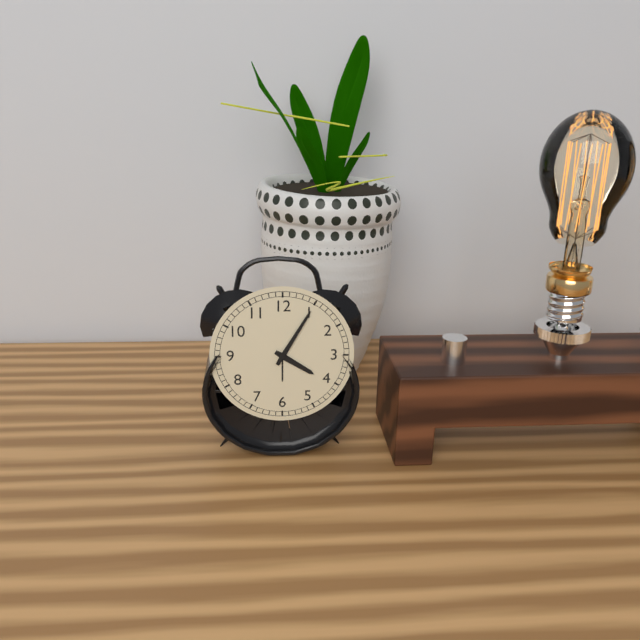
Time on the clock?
4:05
